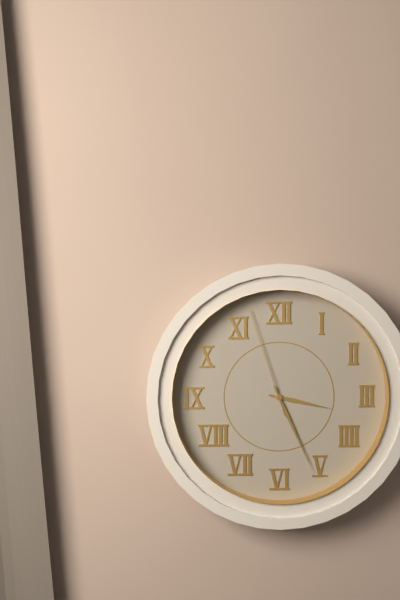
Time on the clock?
3:26:57
